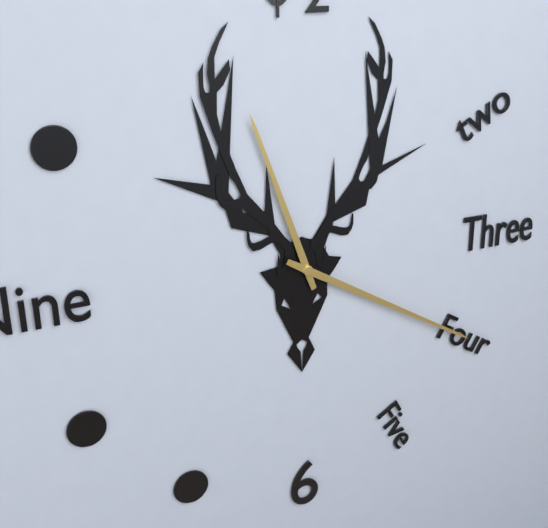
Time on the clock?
11:20
